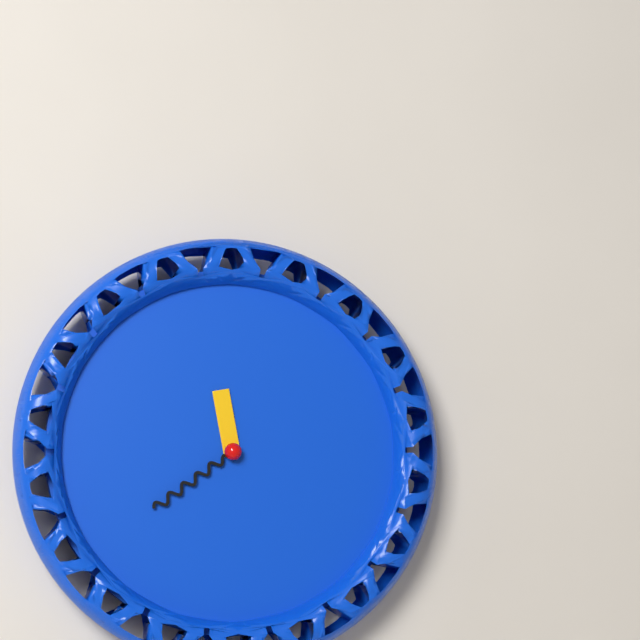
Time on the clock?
11:39
